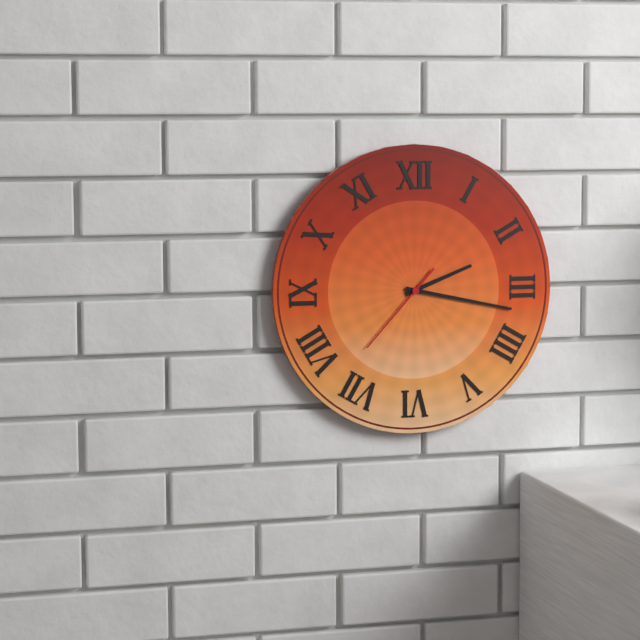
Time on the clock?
2:17:37
